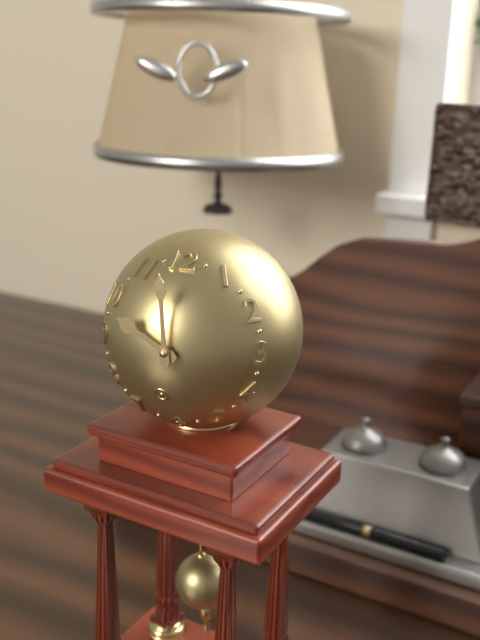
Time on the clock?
9:59
